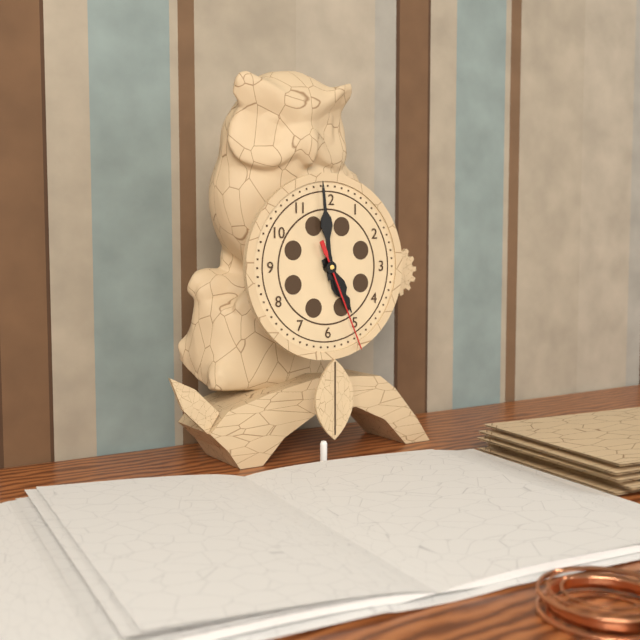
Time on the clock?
4:59:26
